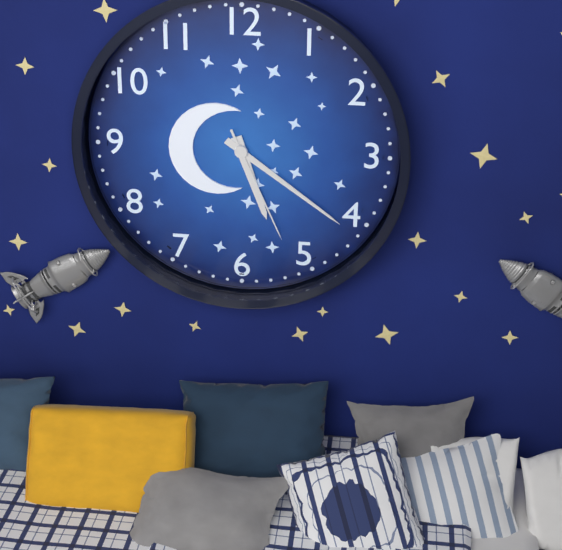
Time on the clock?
5:21:26
